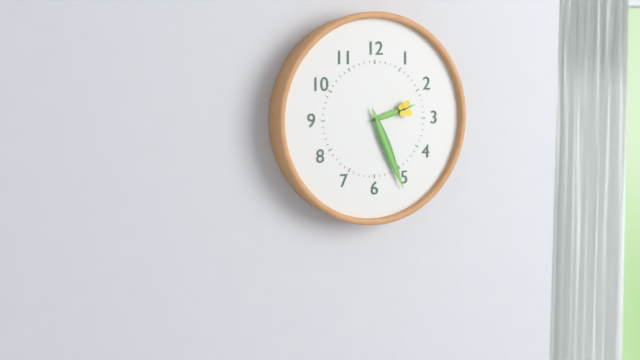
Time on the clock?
2:26
